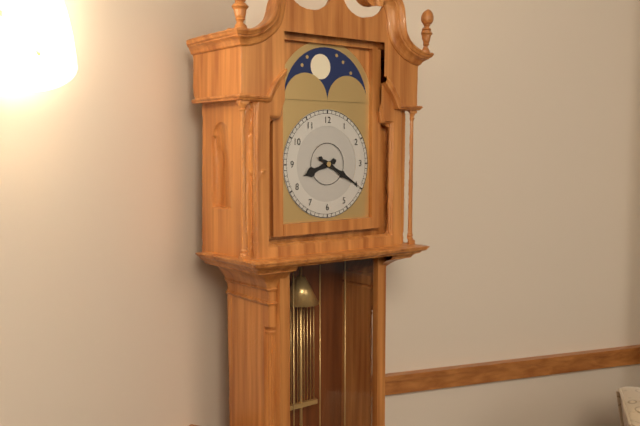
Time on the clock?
8:20
